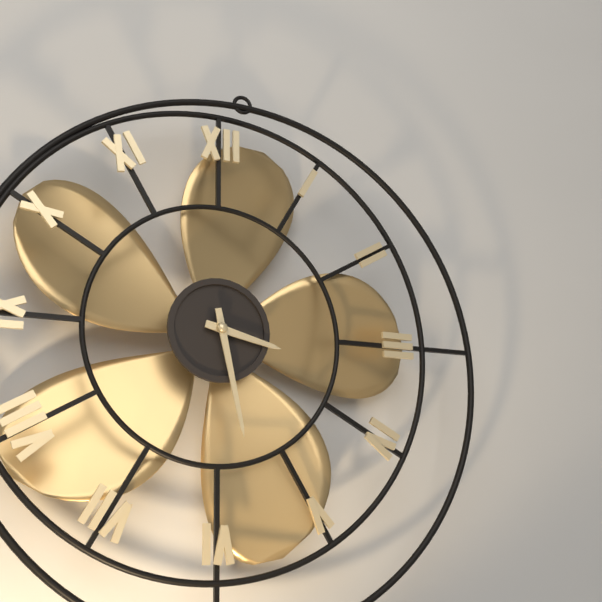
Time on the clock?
3:28
